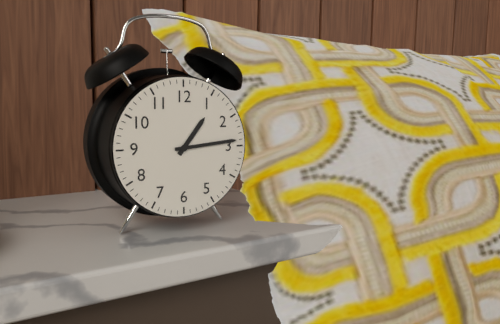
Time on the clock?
1:14
